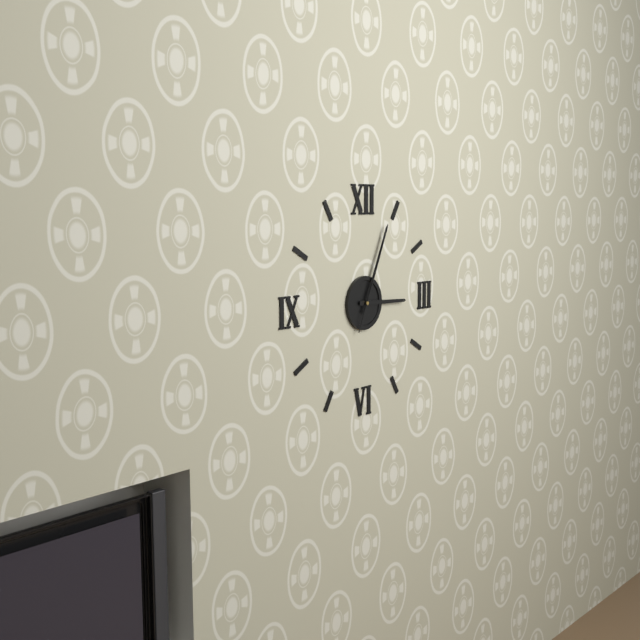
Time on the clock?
3:04:04
